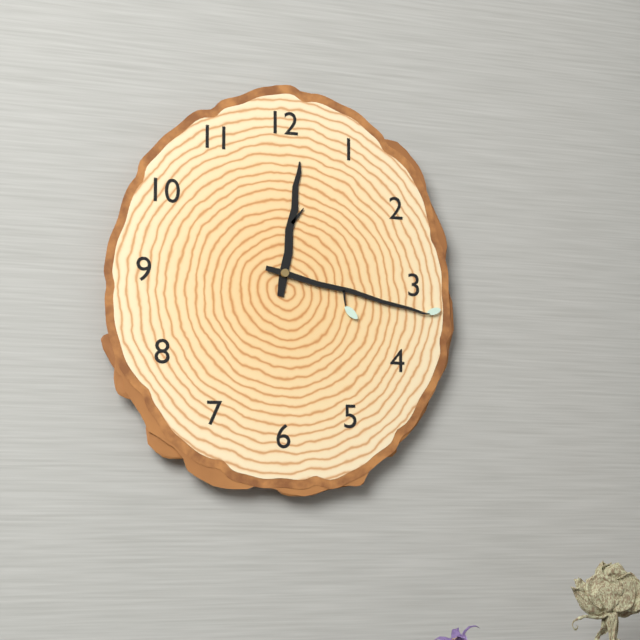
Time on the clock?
12:17
